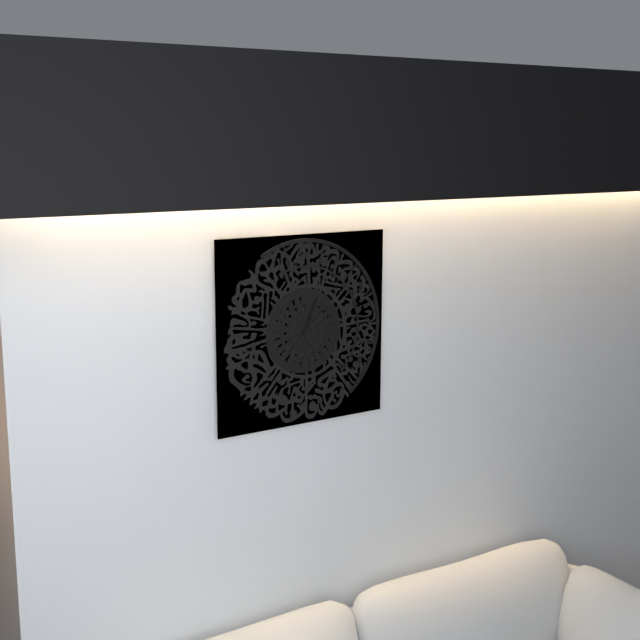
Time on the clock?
1:04
